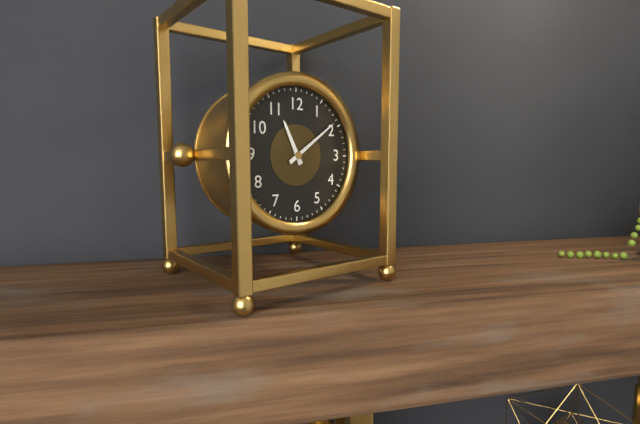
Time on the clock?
11:09
